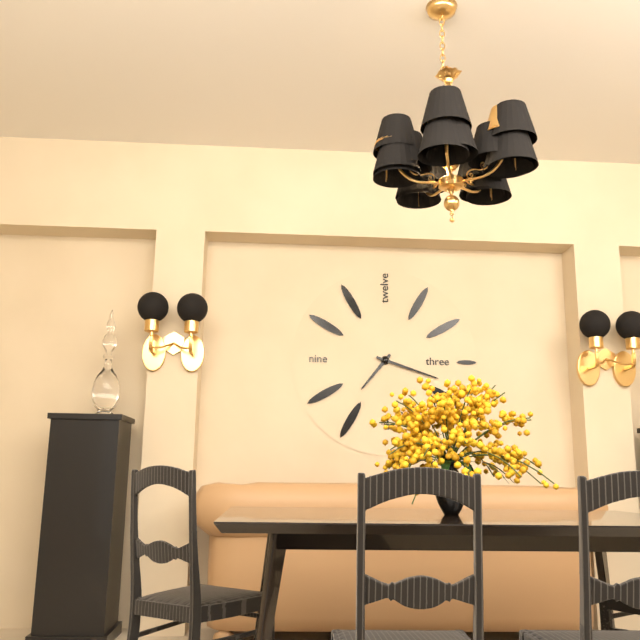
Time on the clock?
7:18
